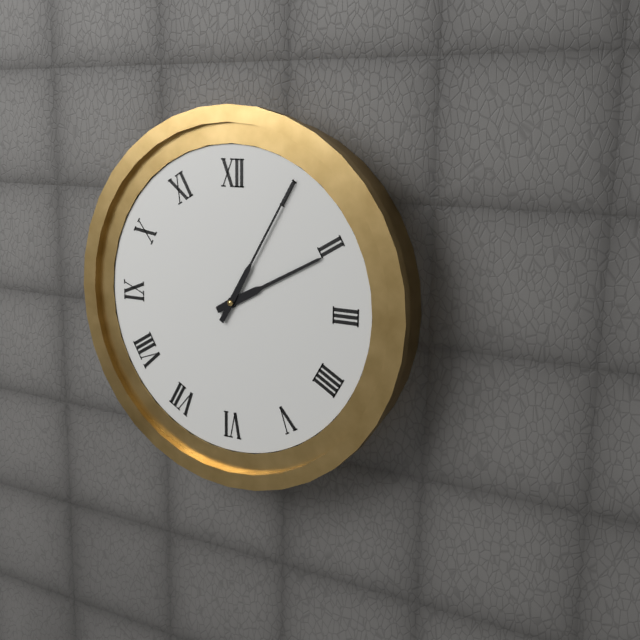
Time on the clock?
2:05
